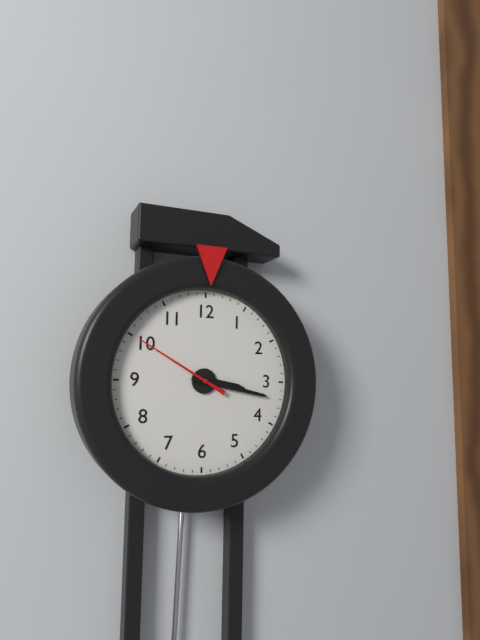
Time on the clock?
3:17:50
